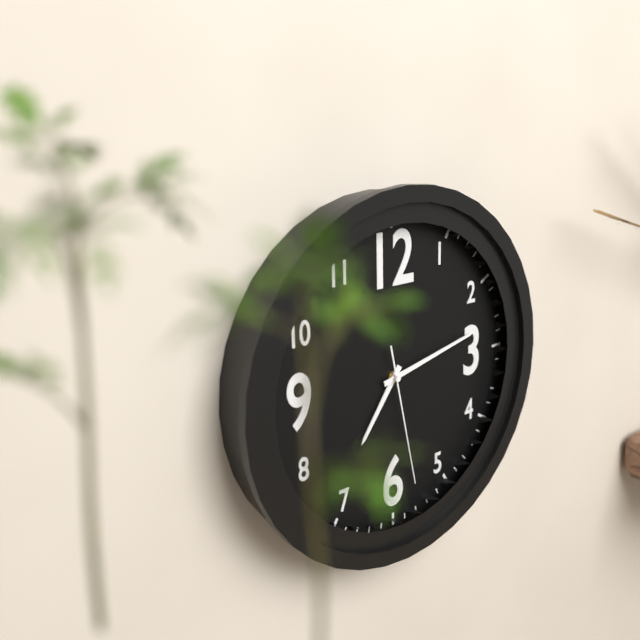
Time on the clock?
7:13:28
